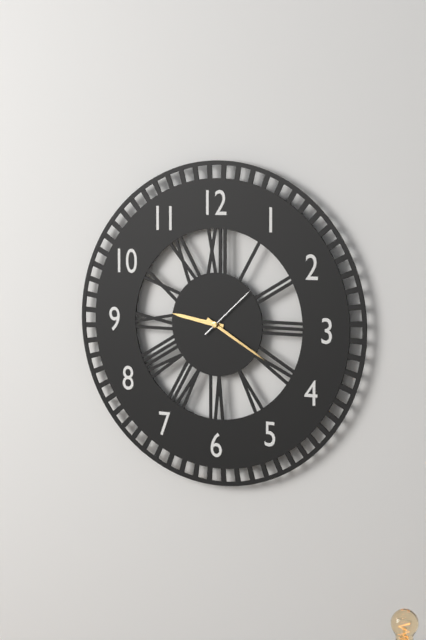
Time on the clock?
9:20:08
